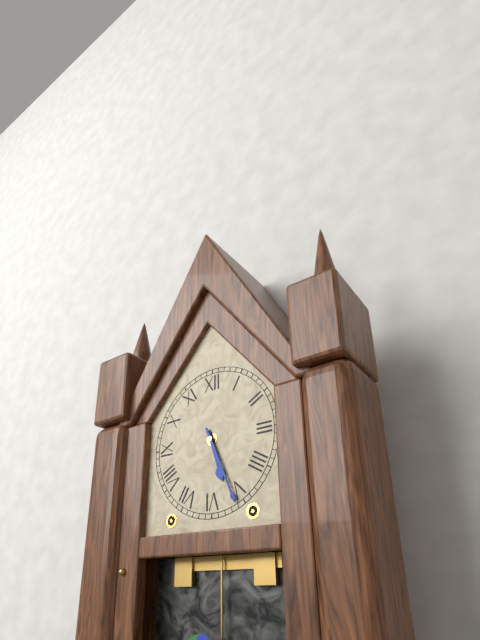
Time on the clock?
5:26
